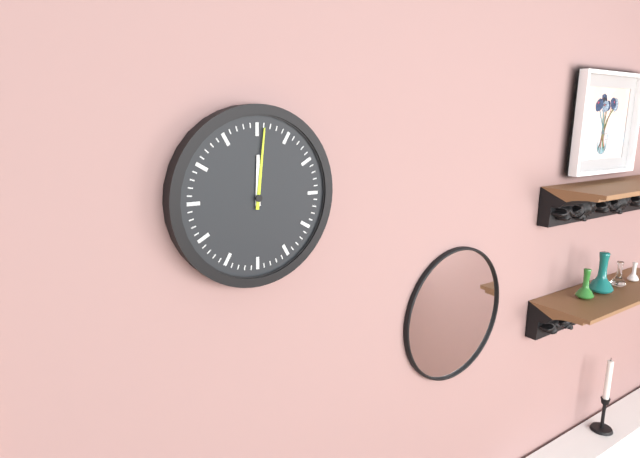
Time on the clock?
12:01
